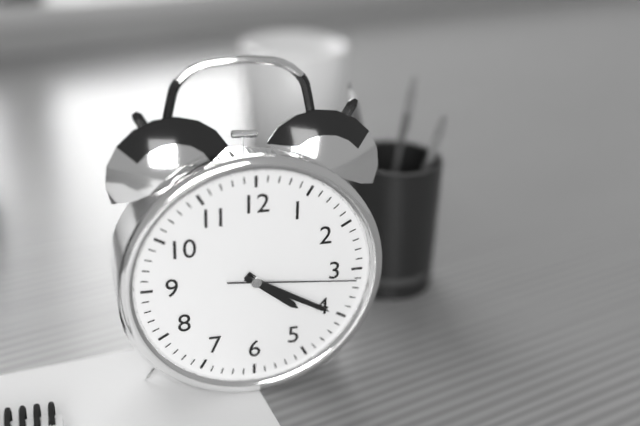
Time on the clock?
4:20:16
